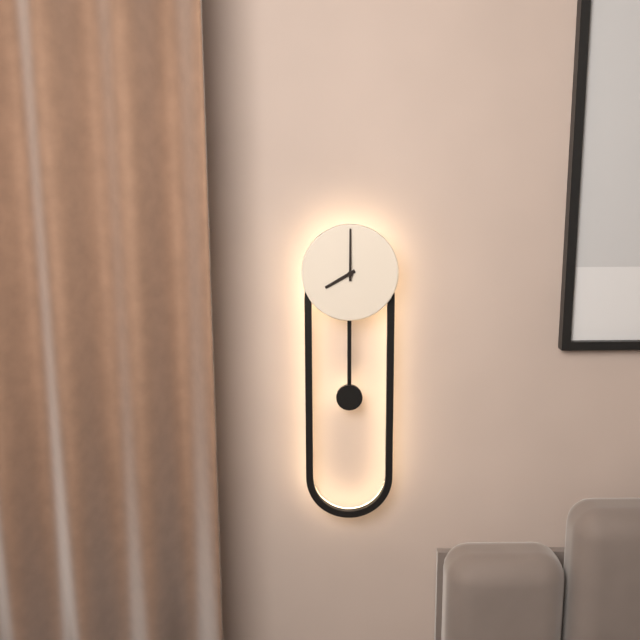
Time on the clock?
8:00
